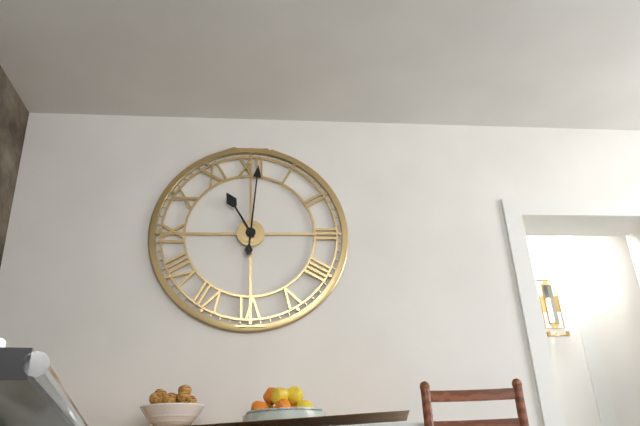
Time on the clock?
11:01
